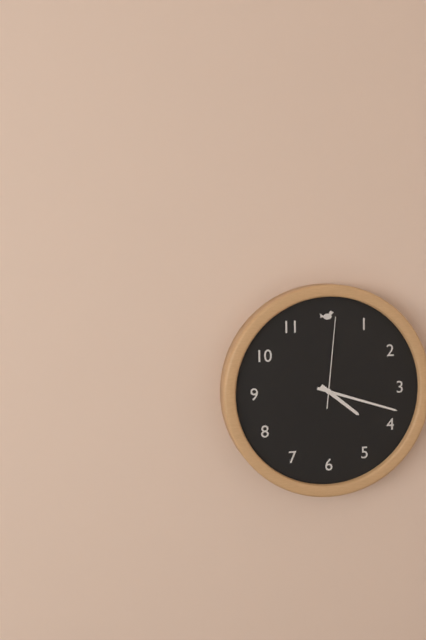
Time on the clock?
4:18:01
